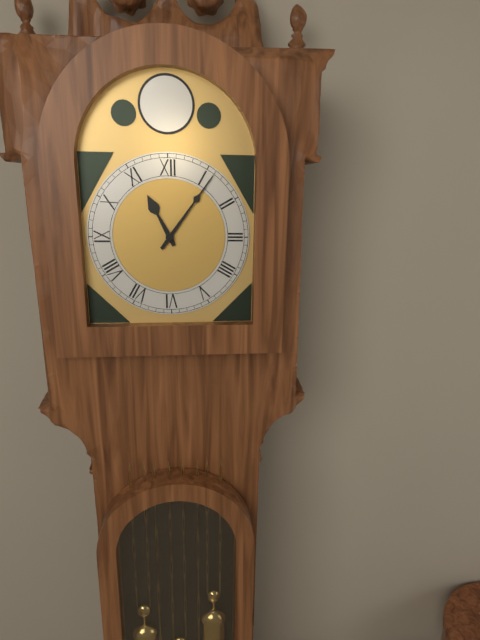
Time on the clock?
11:06
